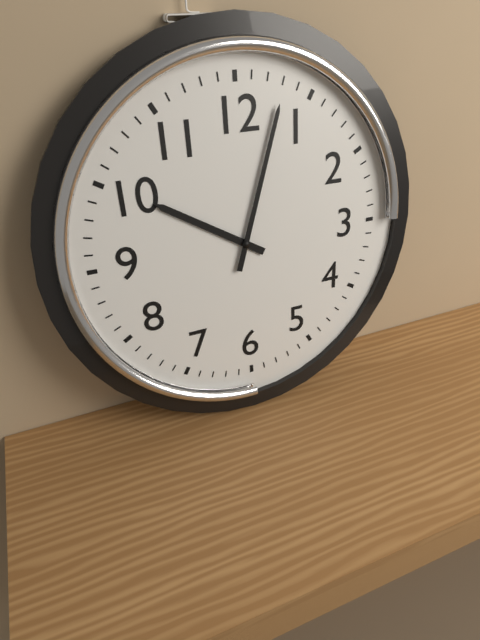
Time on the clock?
10:03
